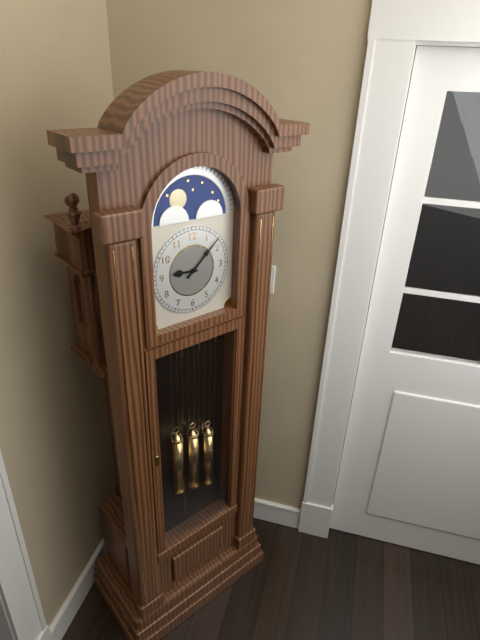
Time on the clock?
9:08
